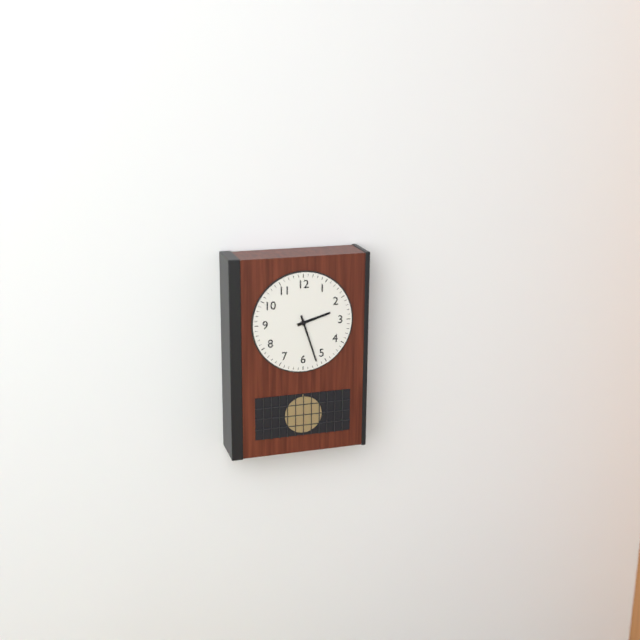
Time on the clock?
2:27
